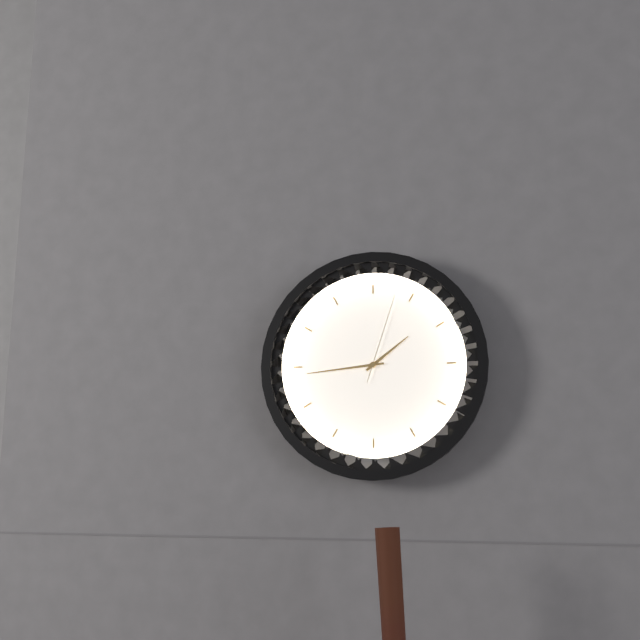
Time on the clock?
1:44:03
